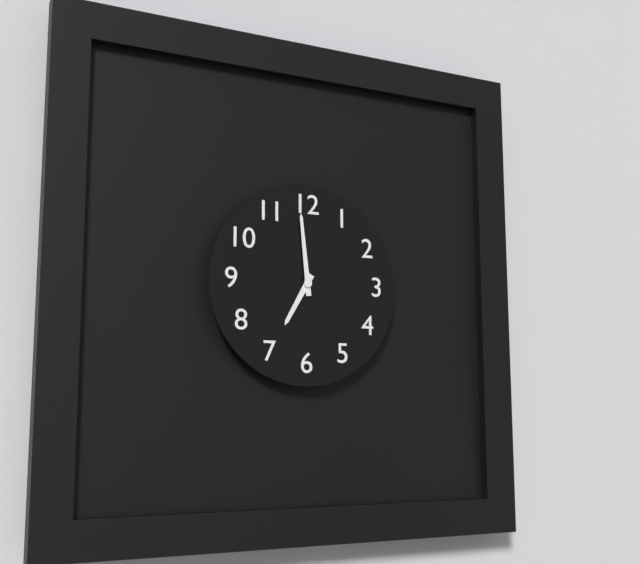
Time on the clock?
6:59
